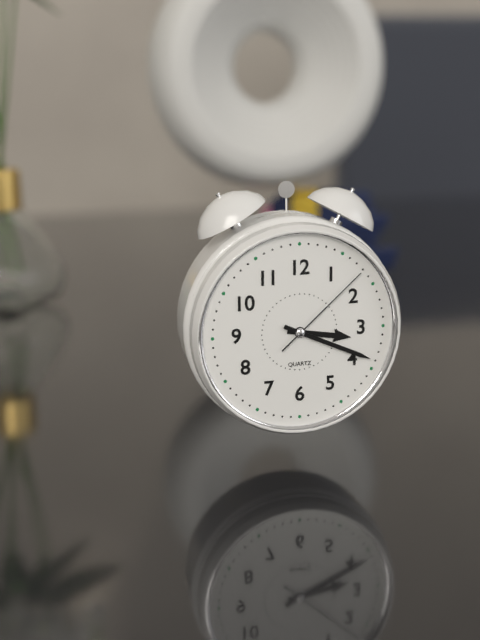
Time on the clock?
3:19:08
